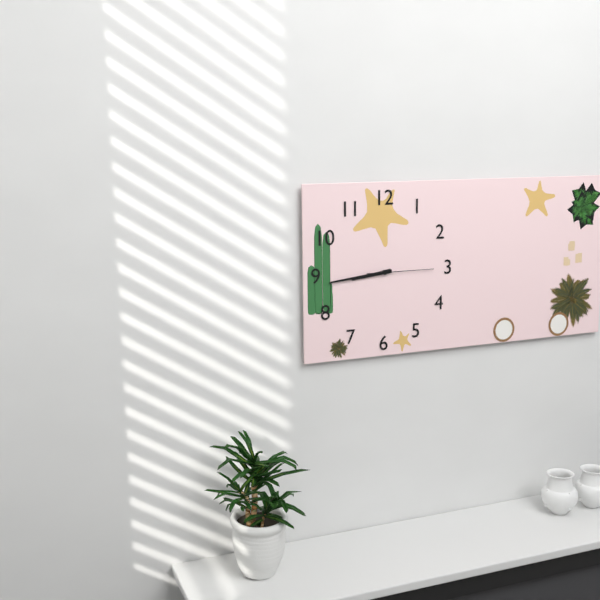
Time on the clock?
8:44:15
